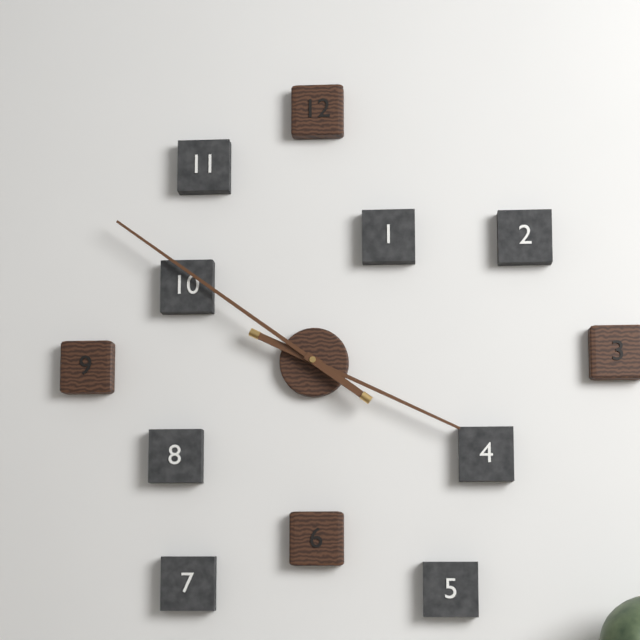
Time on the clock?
3:51
